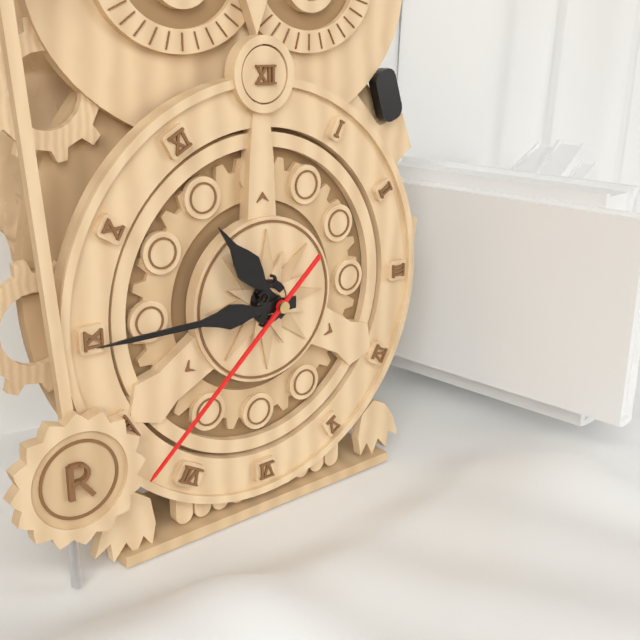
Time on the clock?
10:45:38
